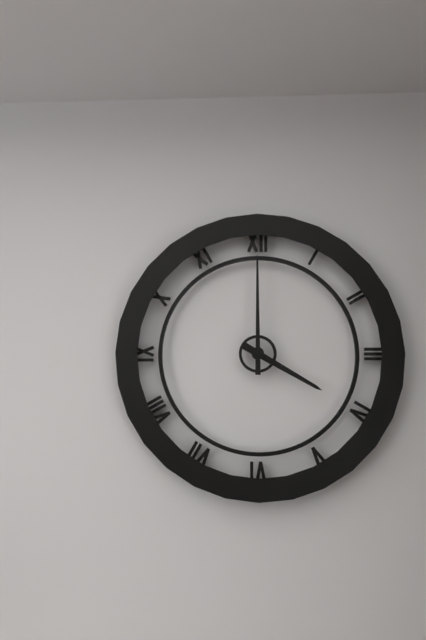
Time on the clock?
4:00
